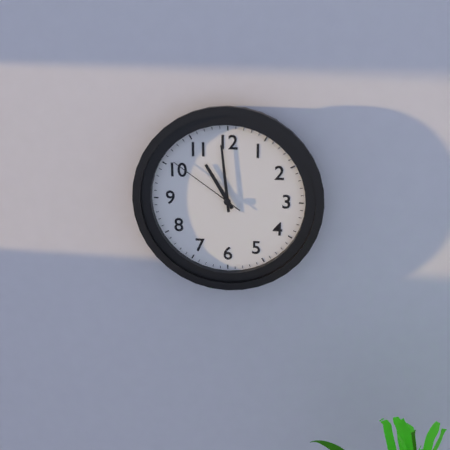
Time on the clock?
10:59:51
